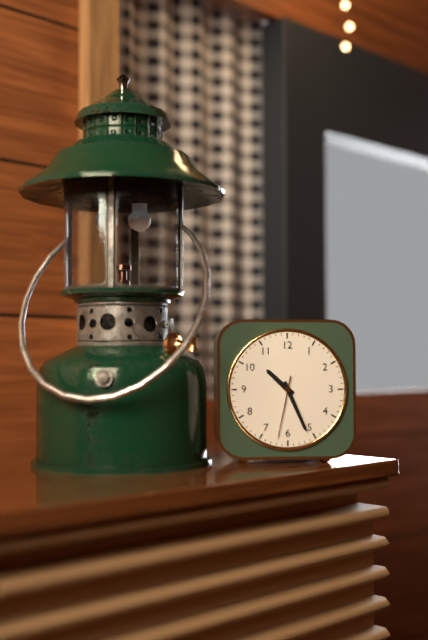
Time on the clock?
10:26:32
